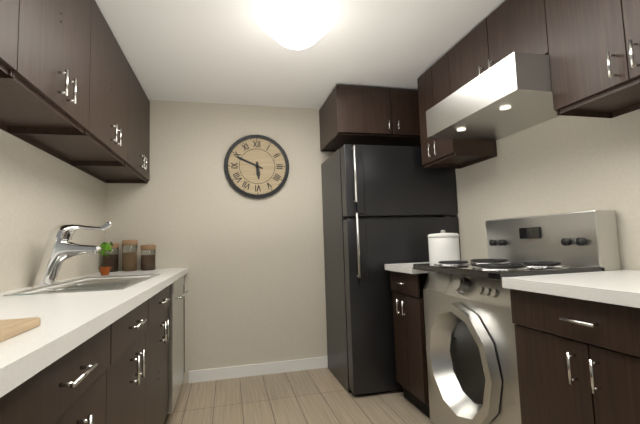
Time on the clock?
5:49
